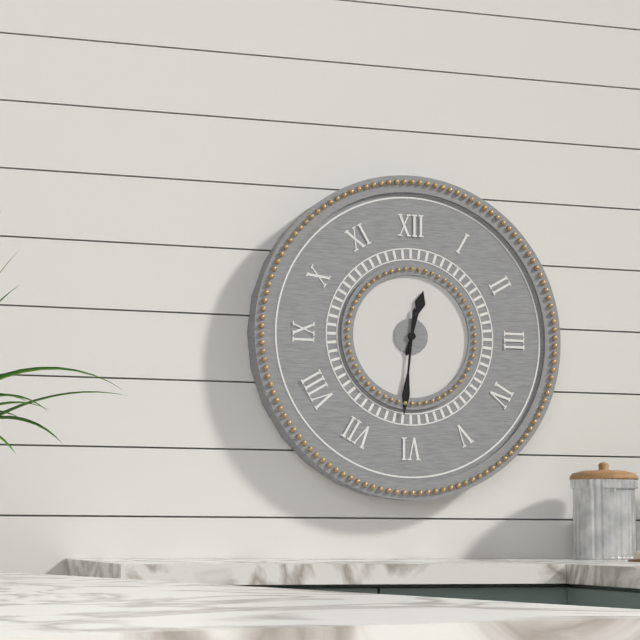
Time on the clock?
12:31
